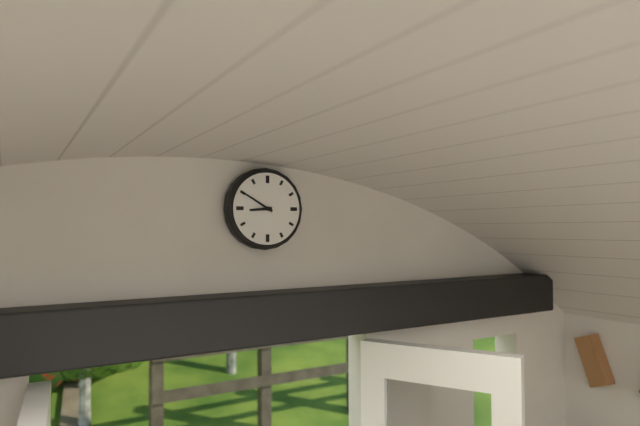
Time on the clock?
8:50
